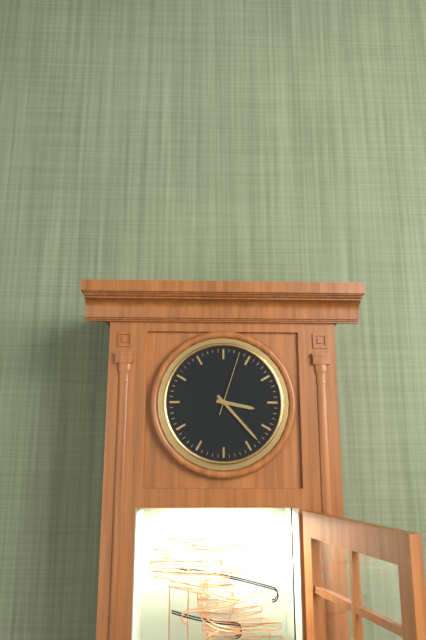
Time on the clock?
3:23:03
